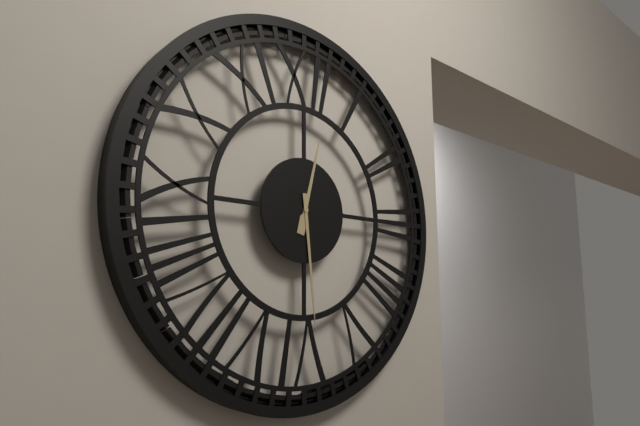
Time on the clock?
12:29
